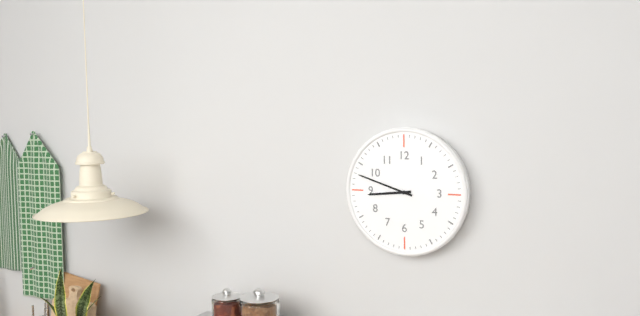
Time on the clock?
8:48
